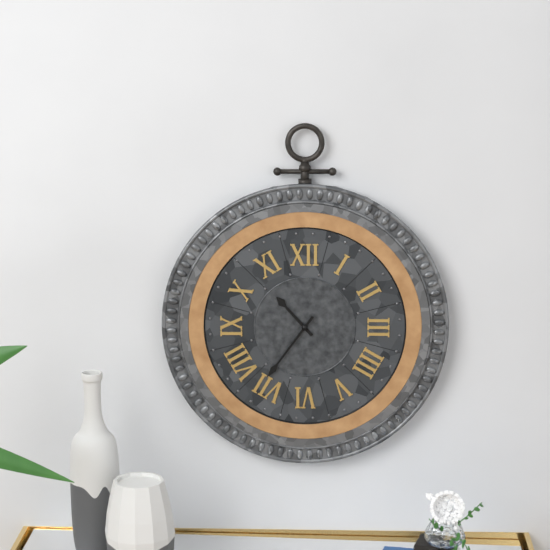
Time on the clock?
10:36
